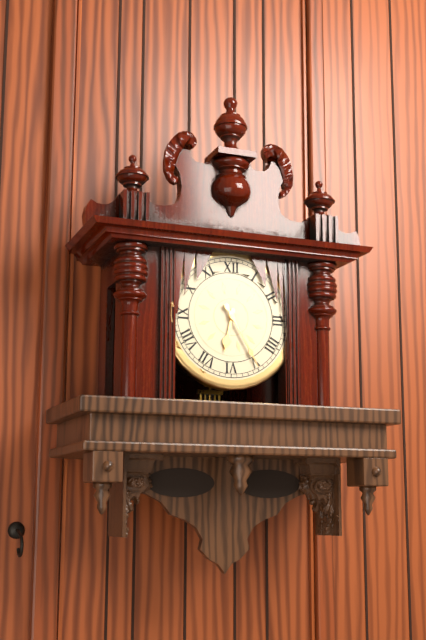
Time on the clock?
6:25
